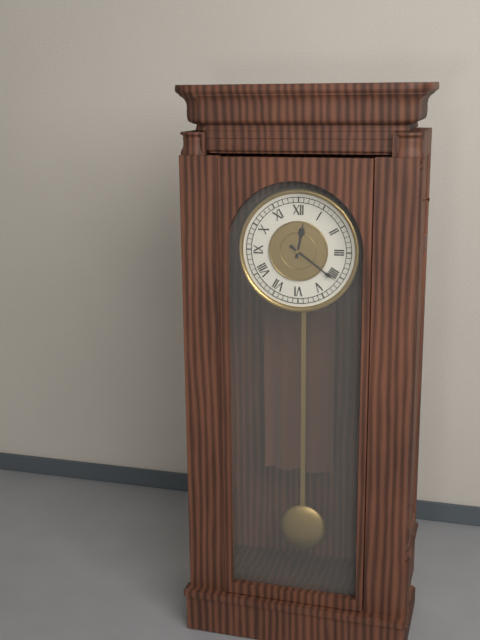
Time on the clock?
12:21
